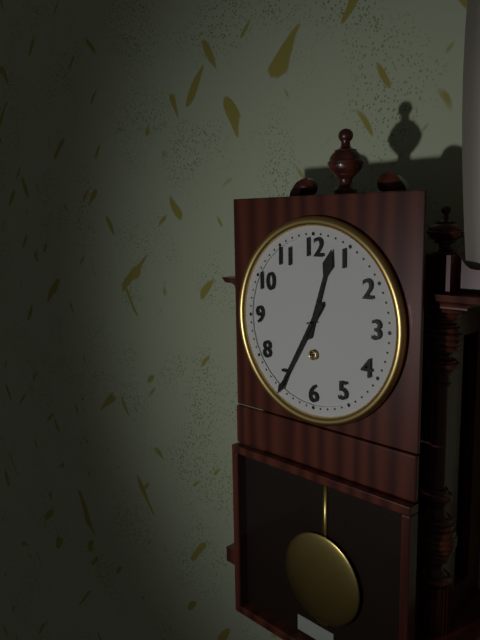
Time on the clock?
12:35
